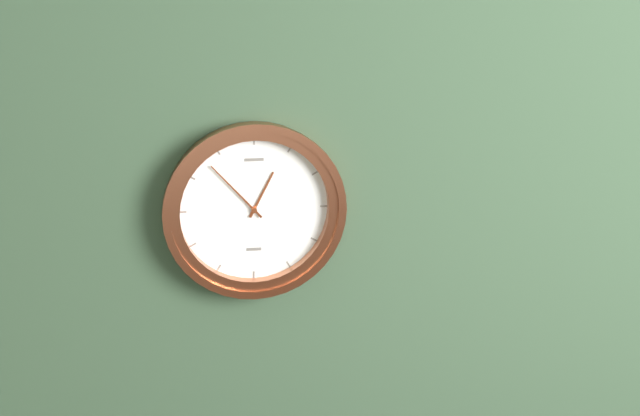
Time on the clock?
12:53
